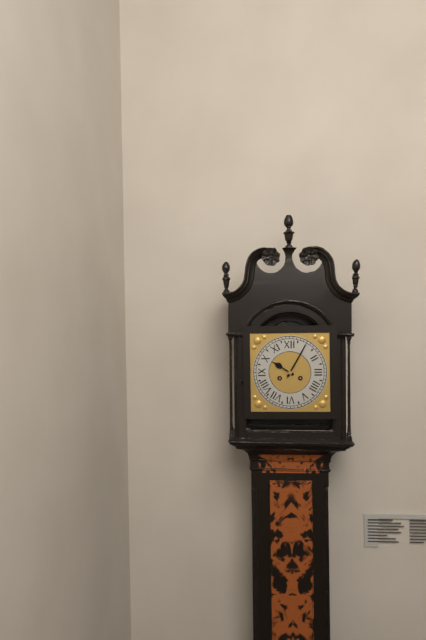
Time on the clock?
10:05
